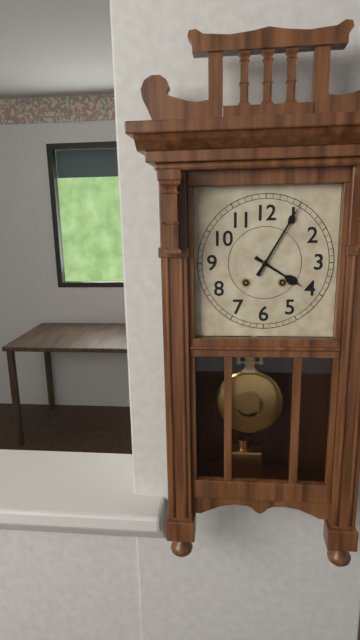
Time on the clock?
4:05
